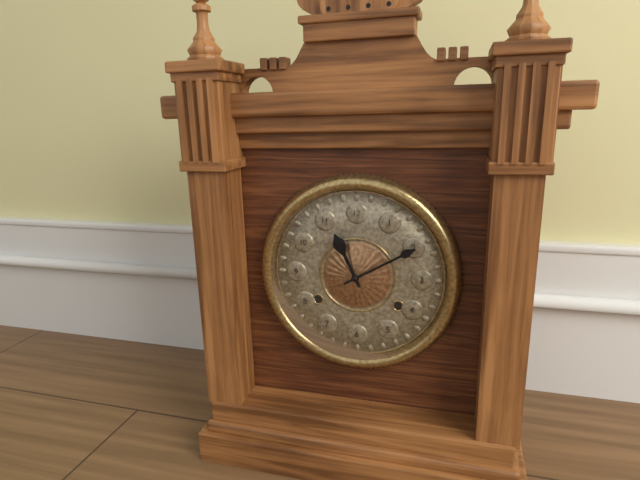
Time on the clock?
11:10
